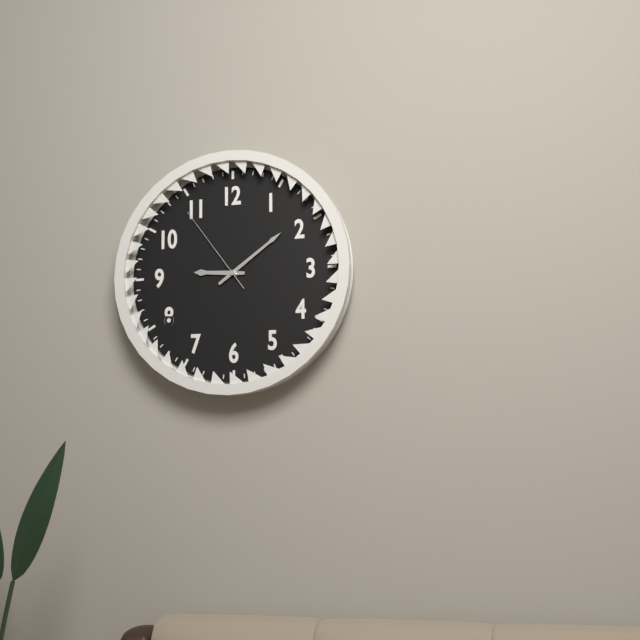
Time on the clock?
9:09:54
